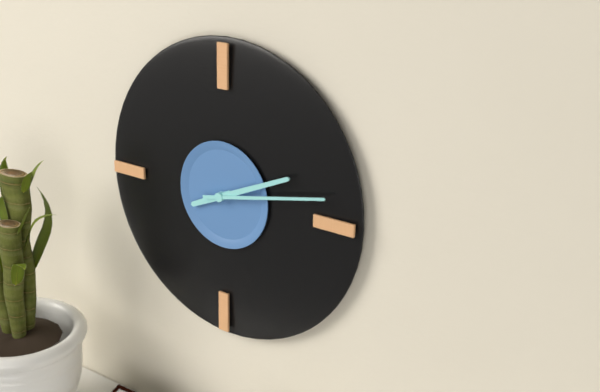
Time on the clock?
8:11:13
